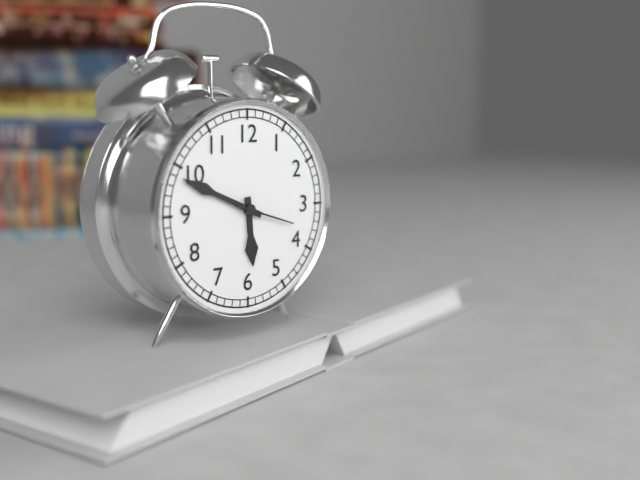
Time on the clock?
5:49:18
